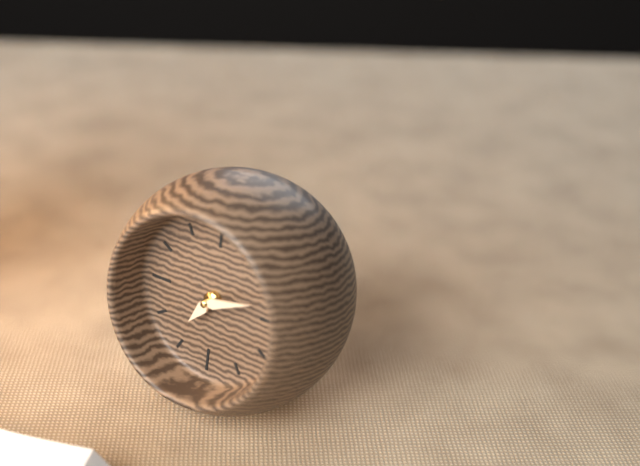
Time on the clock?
7:12
